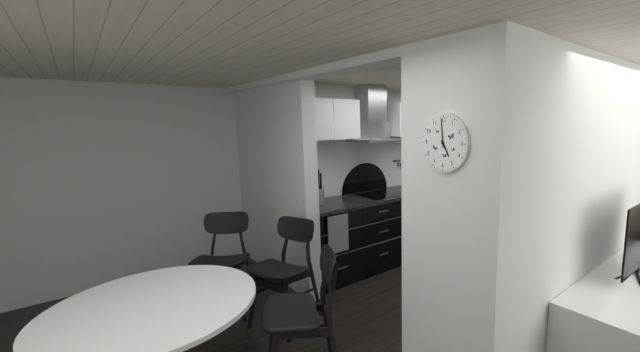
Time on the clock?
4:59
